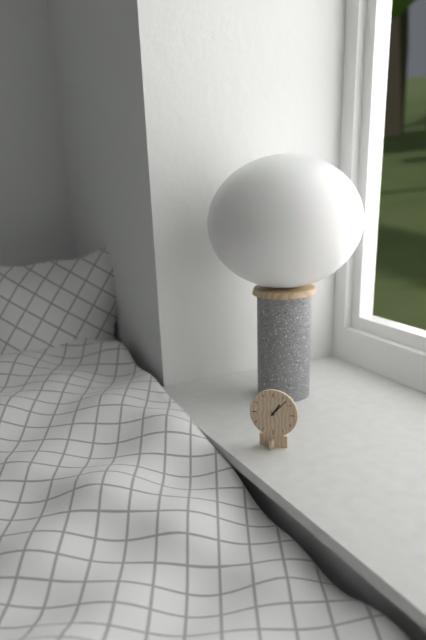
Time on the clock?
1:07
